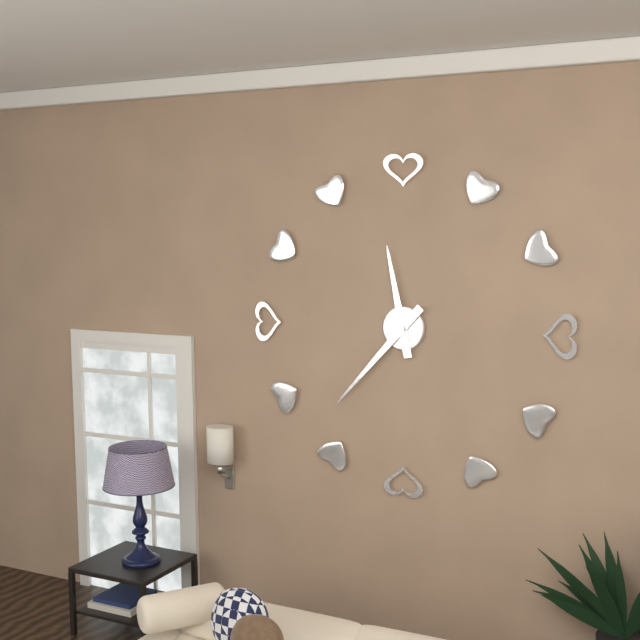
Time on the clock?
11:37
